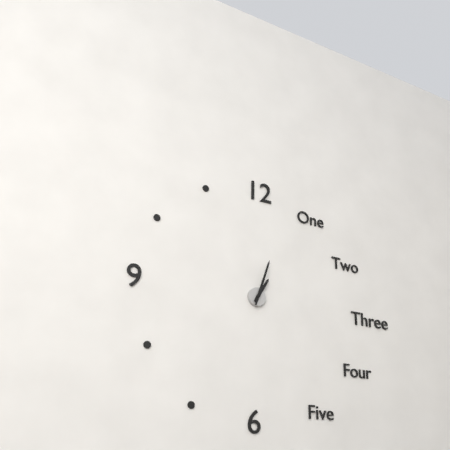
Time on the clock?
1:03
